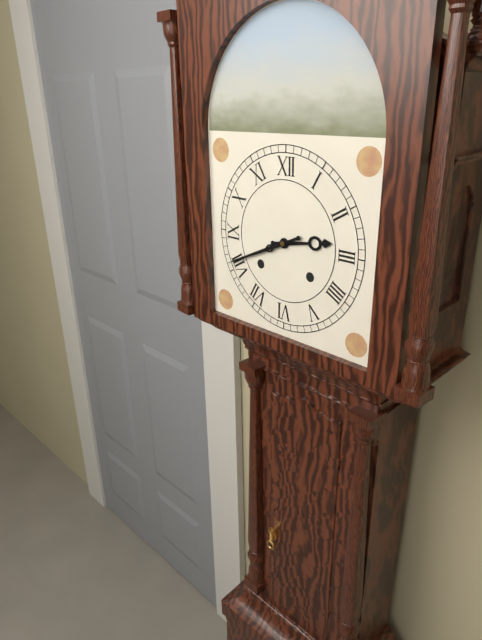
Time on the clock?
2:41
